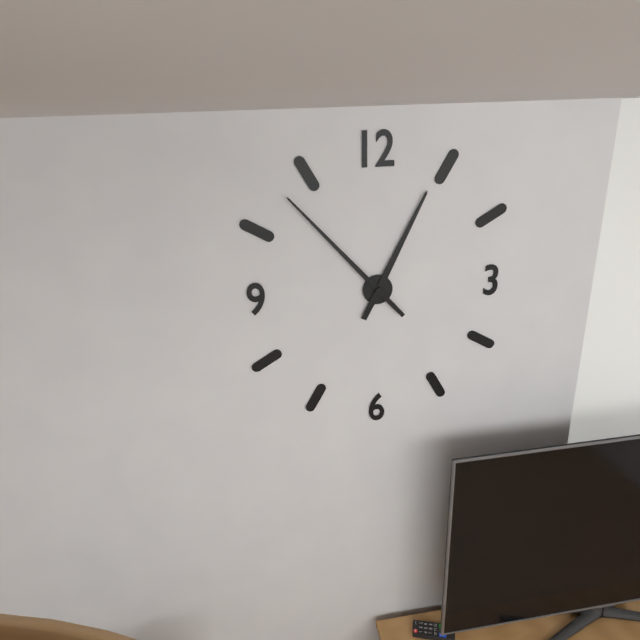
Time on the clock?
12:53
